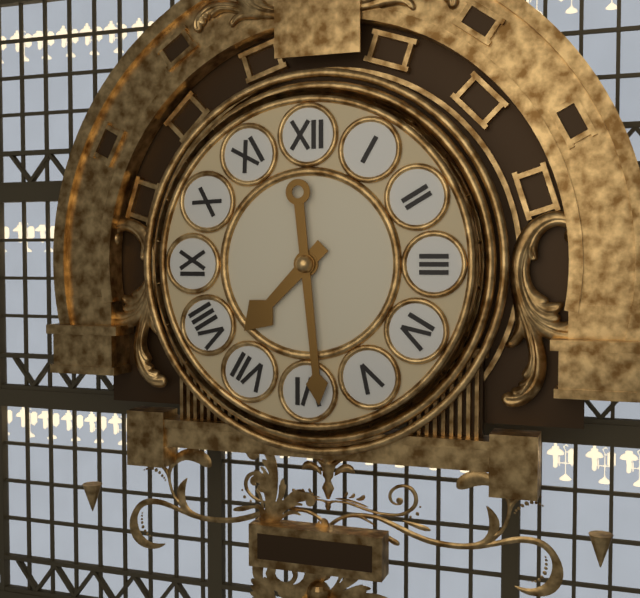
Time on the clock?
7:29
